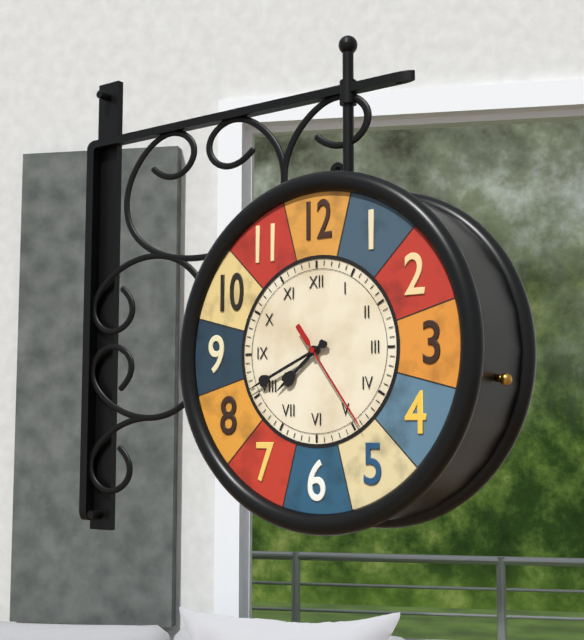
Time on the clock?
7:41:24
